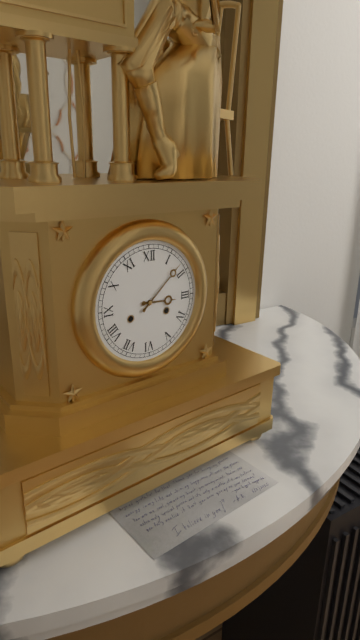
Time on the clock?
3:08
